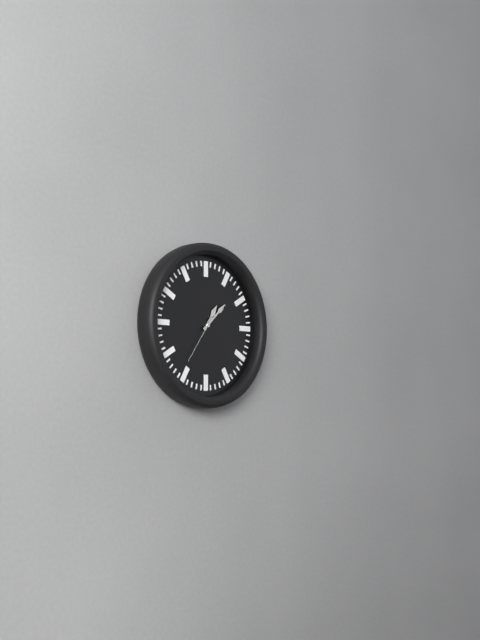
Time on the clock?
1:08:36
